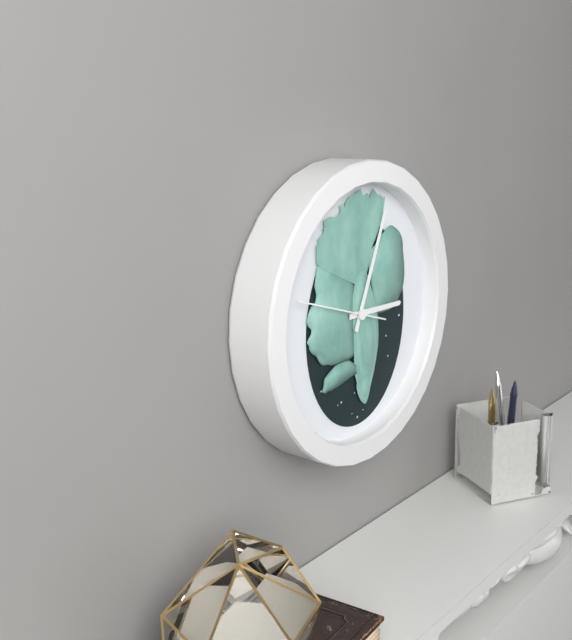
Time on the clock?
3:04:48
